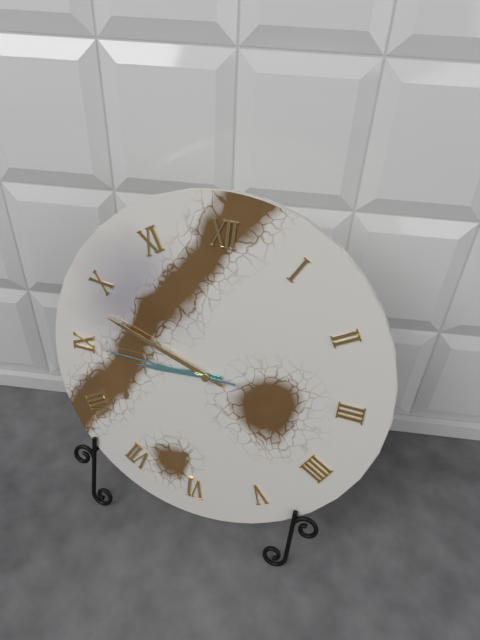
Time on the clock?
8:48:45
